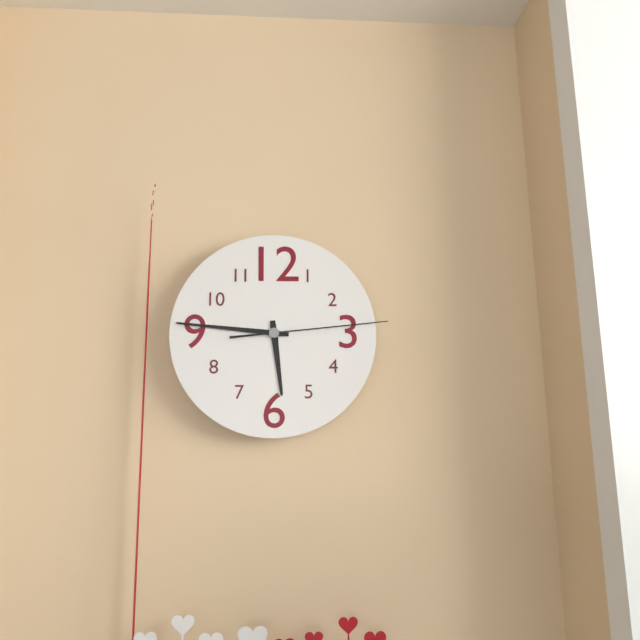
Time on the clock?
5:46:14
